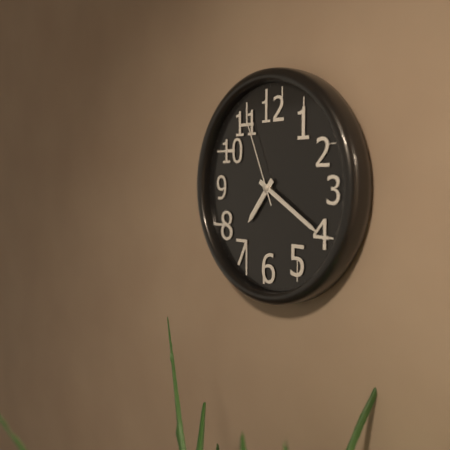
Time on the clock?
7:20:56
